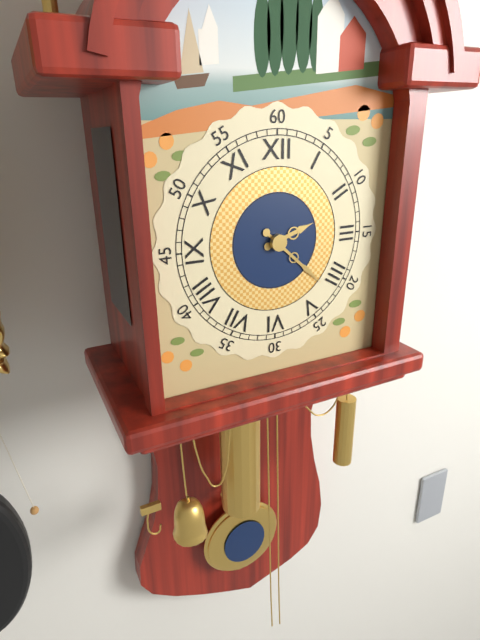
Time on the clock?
2:22
